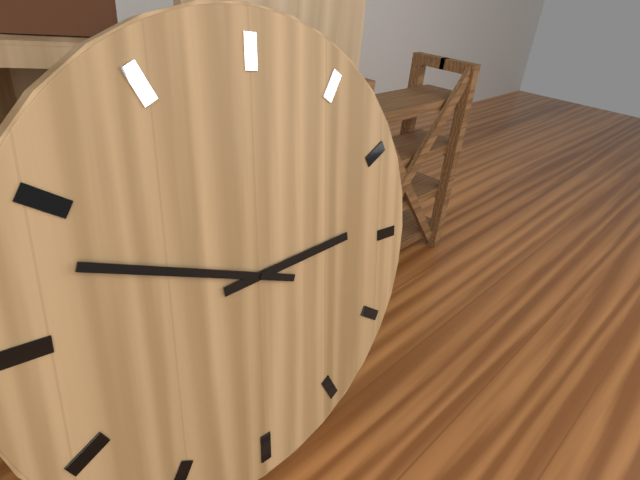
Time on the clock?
2:48
